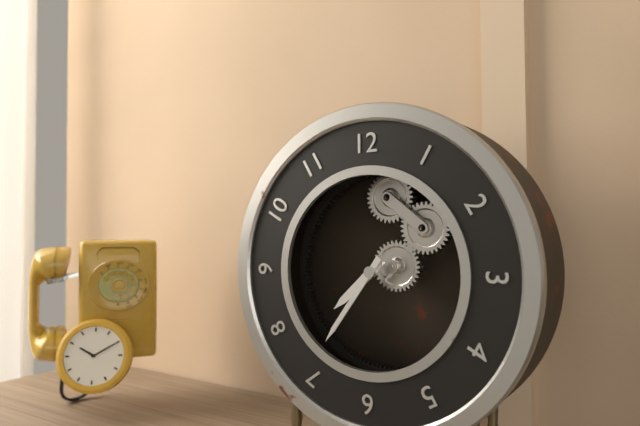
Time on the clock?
7:36
